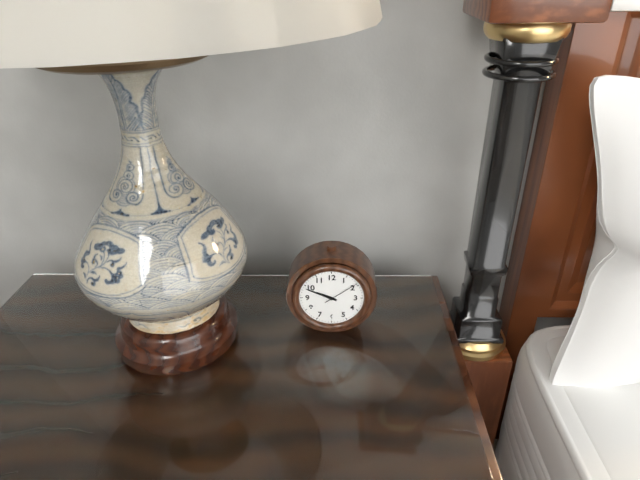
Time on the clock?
9:49
